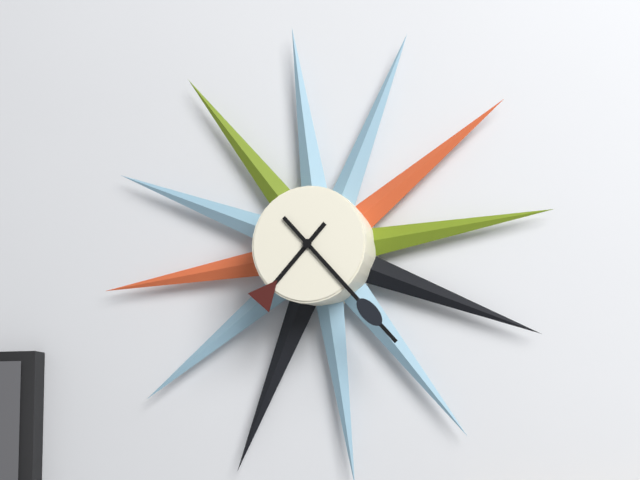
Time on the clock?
7:23
